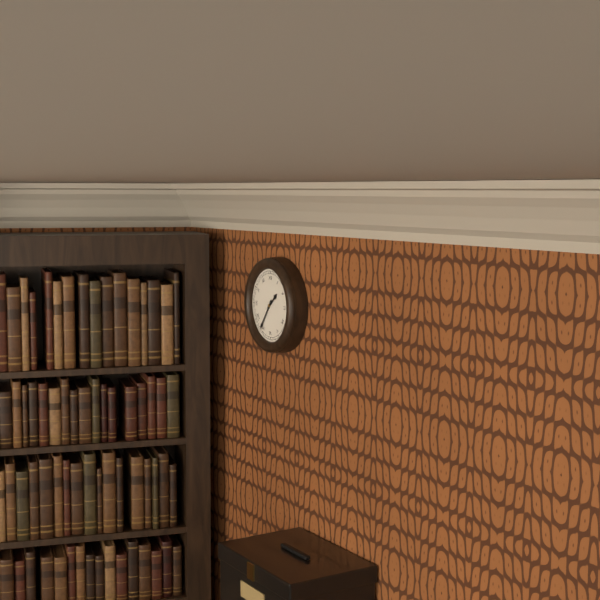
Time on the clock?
1:36
